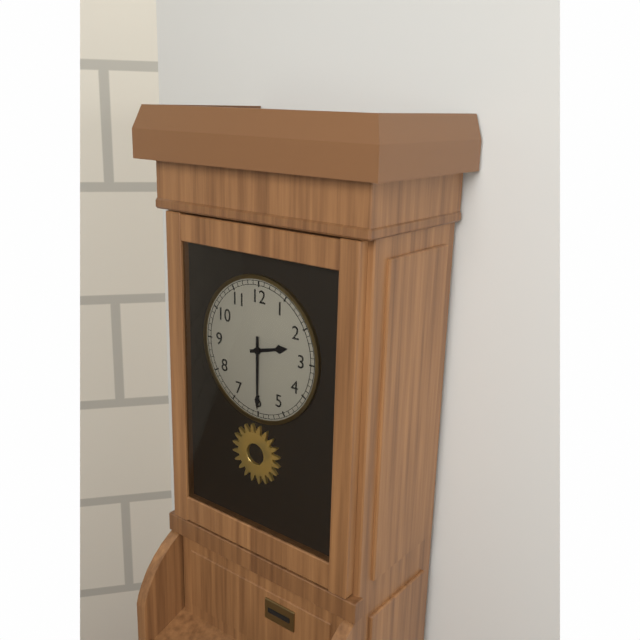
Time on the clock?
2:30
